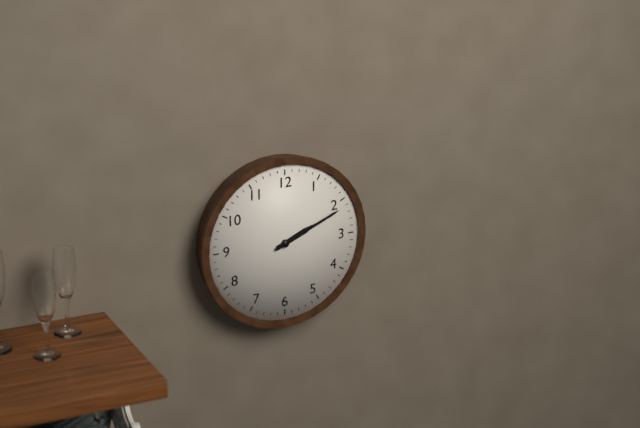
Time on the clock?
2:11
